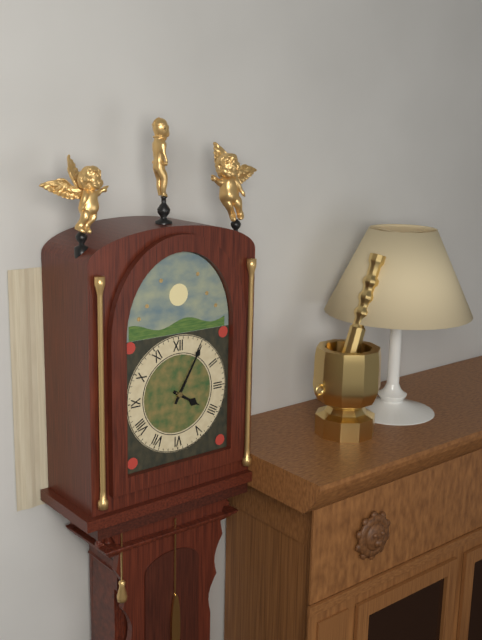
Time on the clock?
4:05
